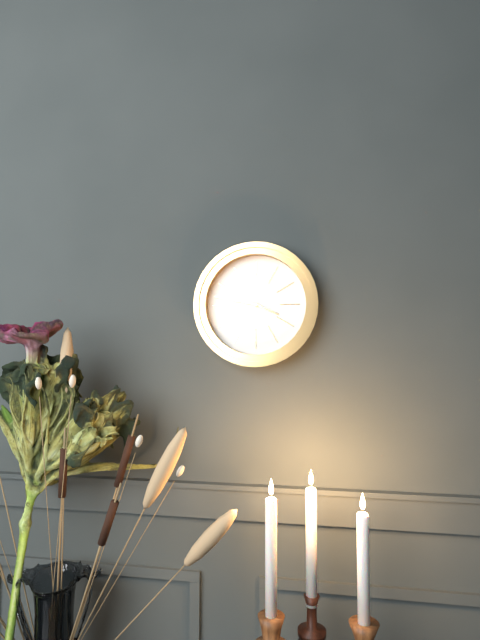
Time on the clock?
3:47
